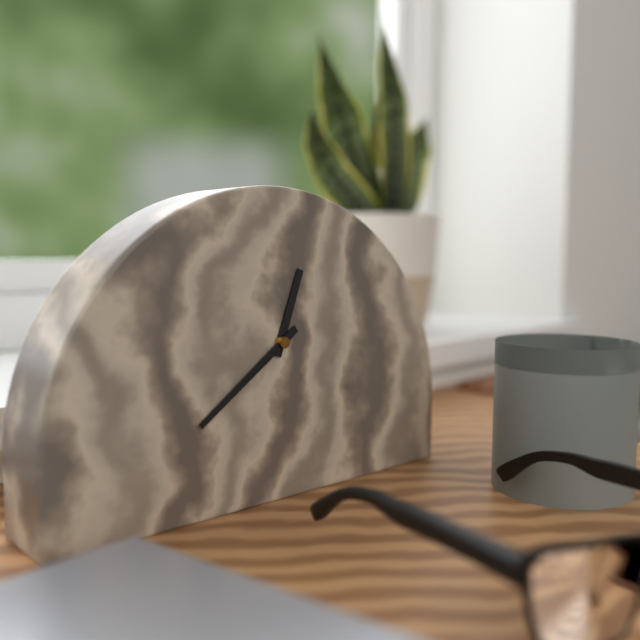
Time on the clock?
12:39
